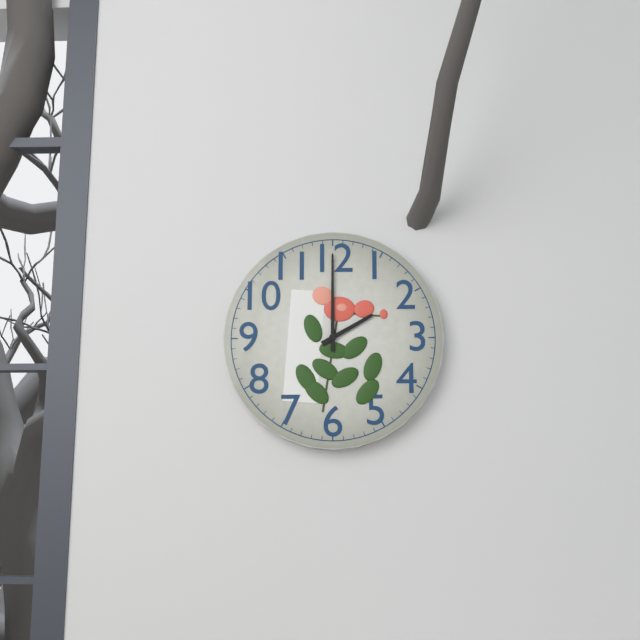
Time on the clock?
2:00
